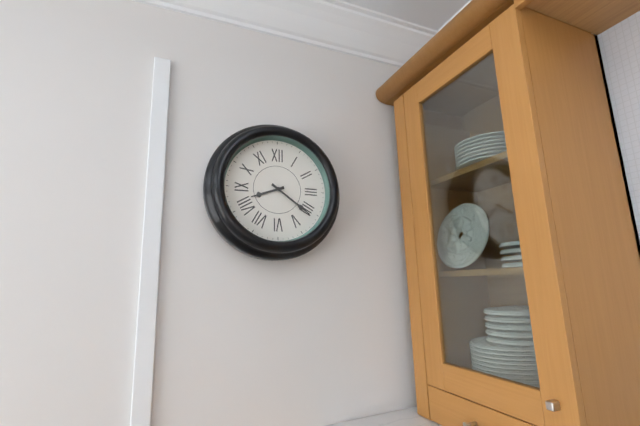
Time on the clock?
8:21
